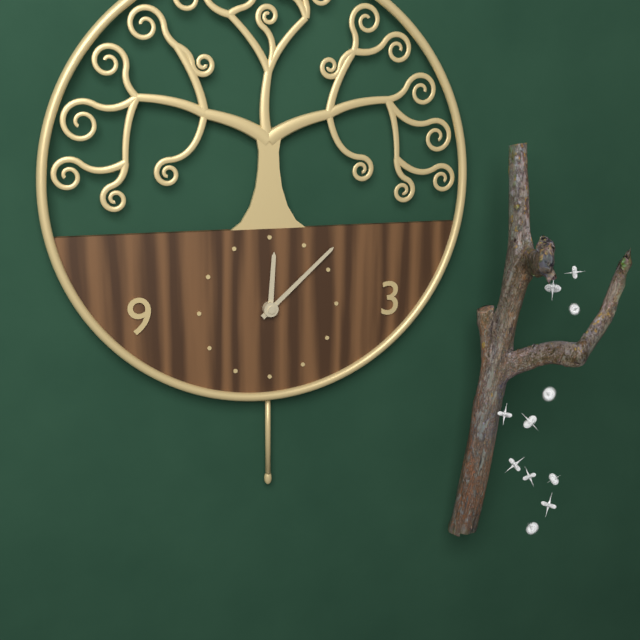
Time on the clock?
12:08
